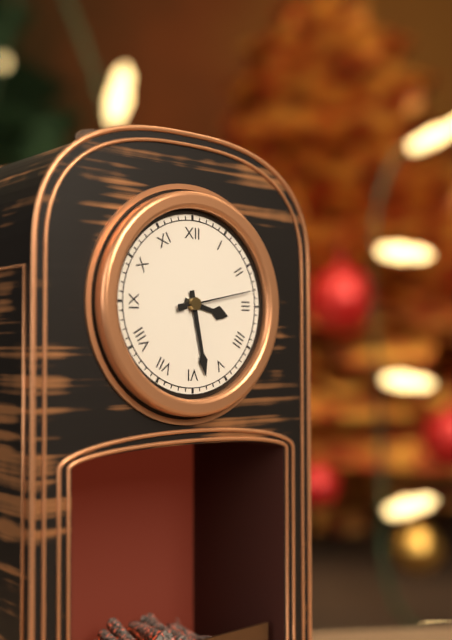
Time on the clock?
3:28:13
